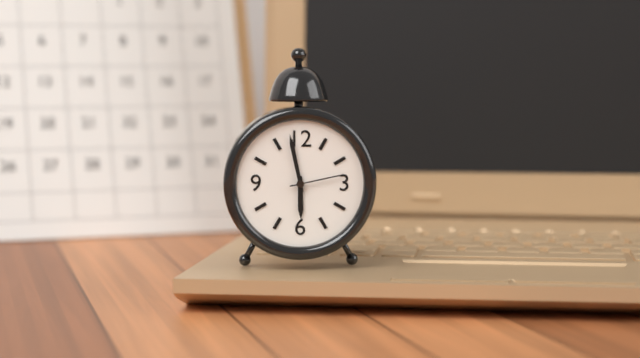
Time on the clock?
5:58:13
